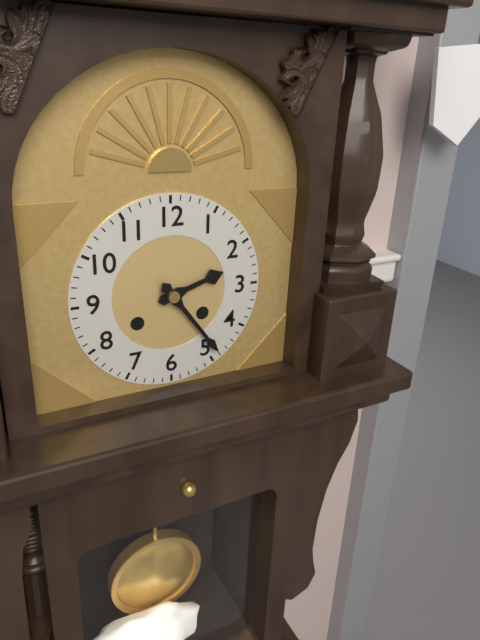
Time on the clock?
2:24
